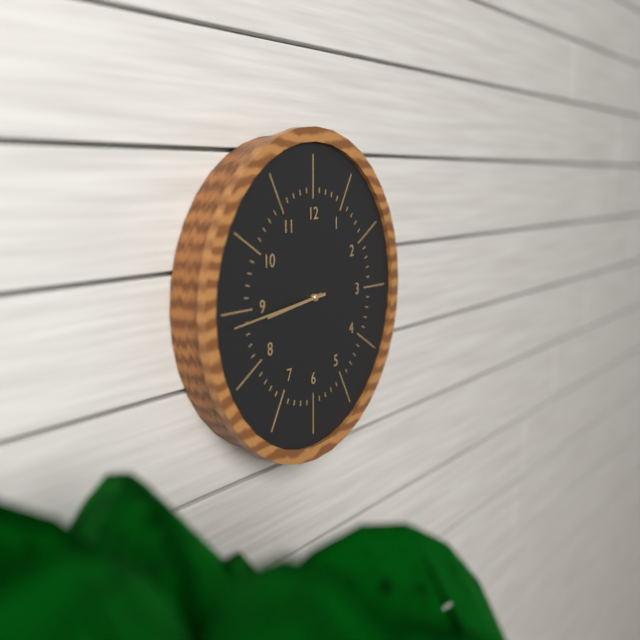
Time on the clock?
8:44
